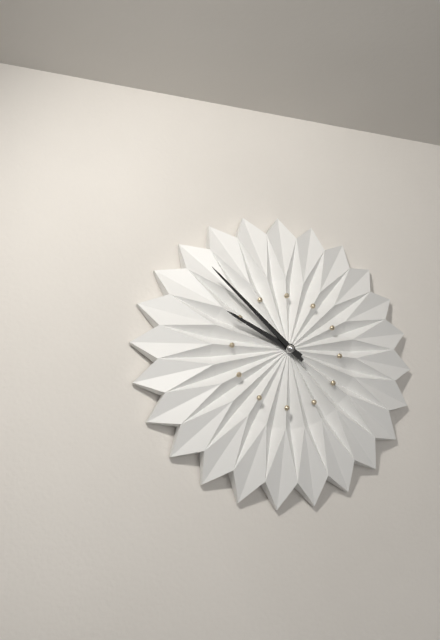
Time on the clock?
9:52
